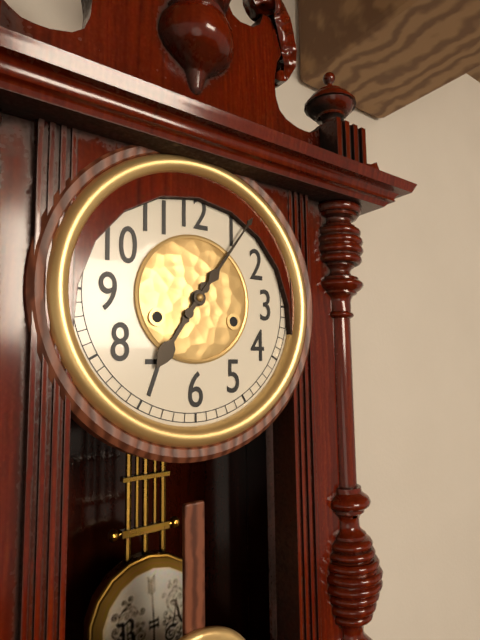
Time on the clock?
7:06
